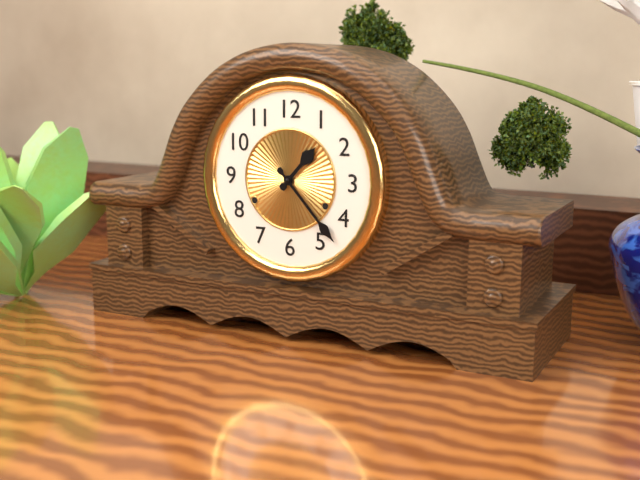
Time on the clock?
1:23
